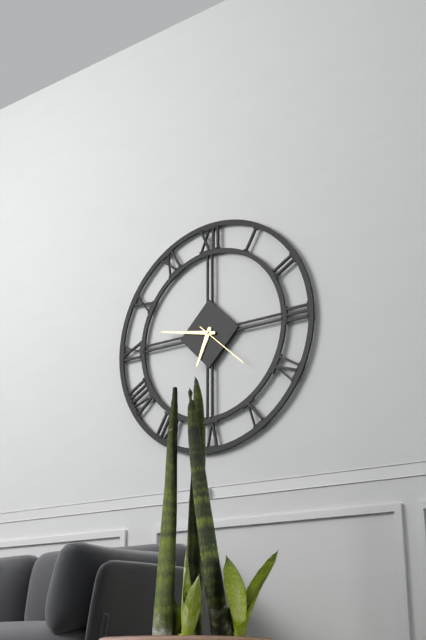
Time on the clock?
6:47:22
